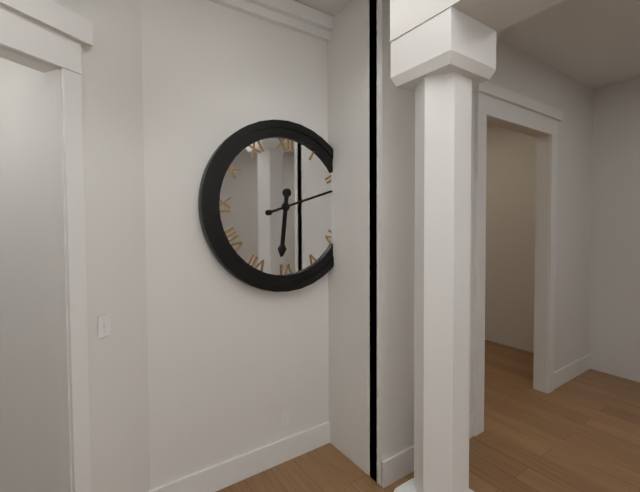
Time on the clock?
6:12
